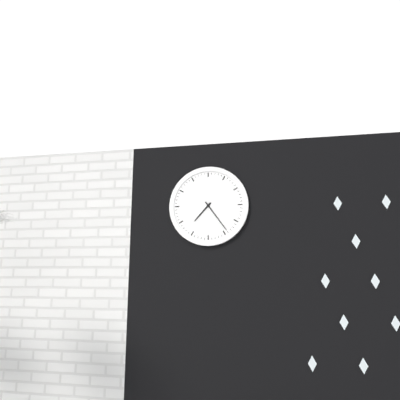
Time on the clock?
7:24
